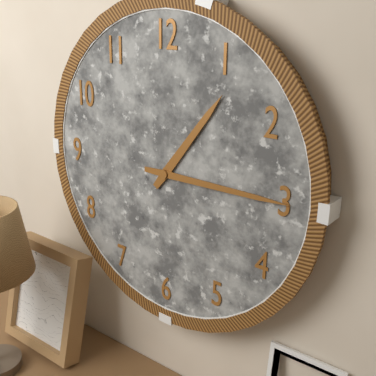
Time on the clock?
1:15
